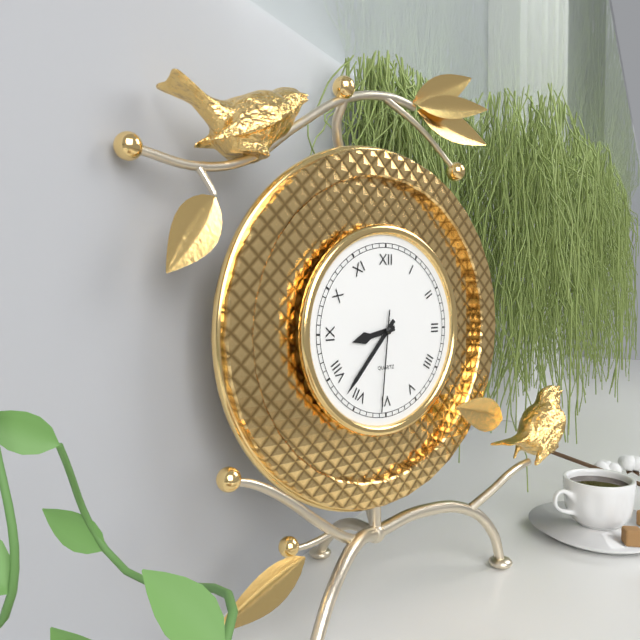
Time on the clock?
8:37:31
